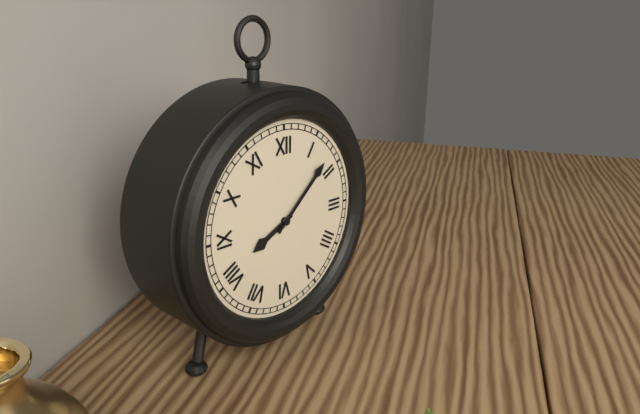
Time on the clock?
8:08
